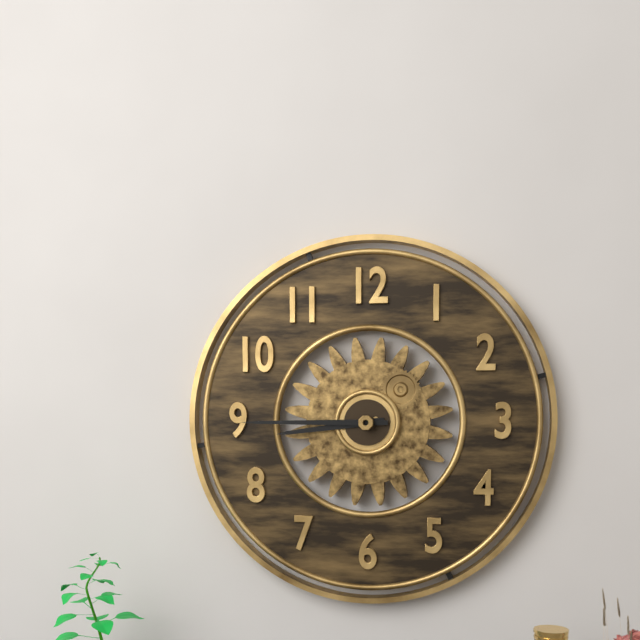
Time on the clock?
8:45
